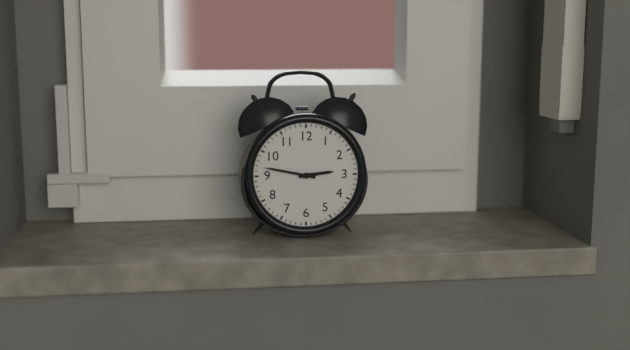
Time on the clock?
2:47
